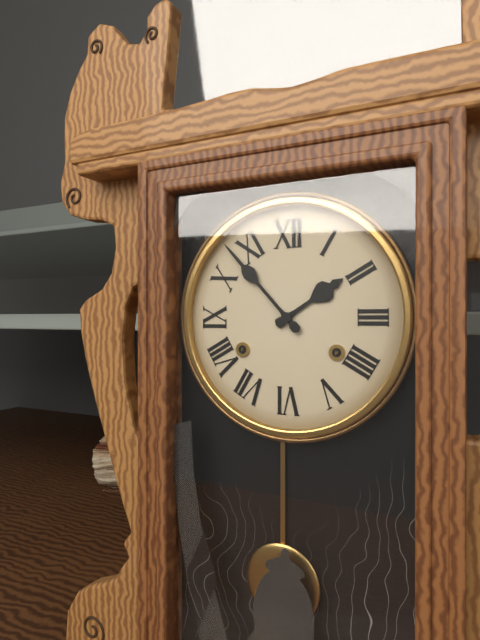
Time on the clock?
1:53
